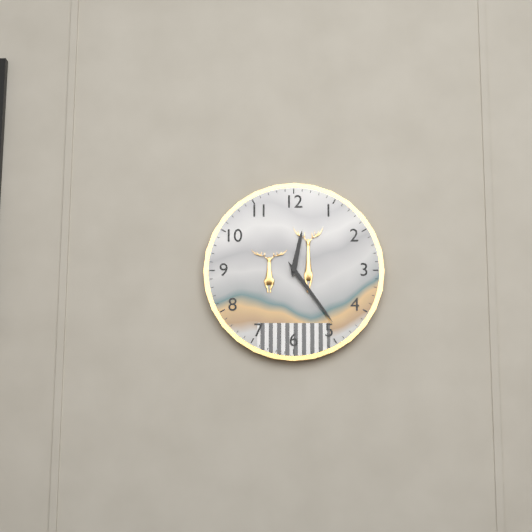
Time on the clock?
12:24
